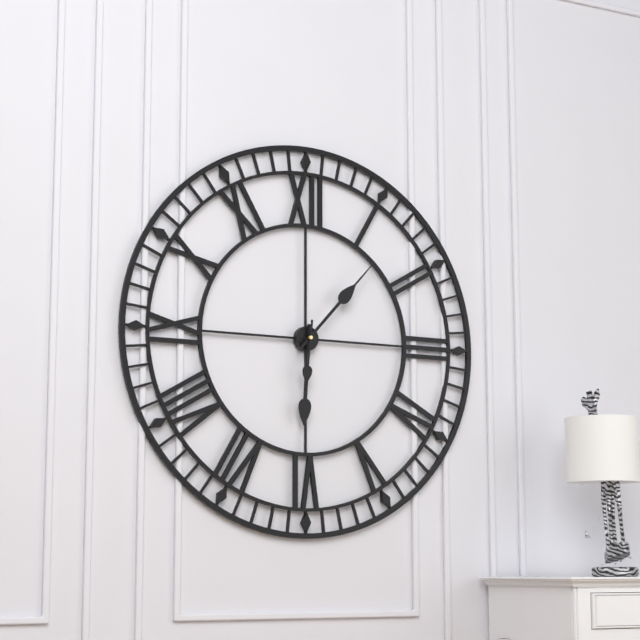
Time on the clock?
6:07:31
